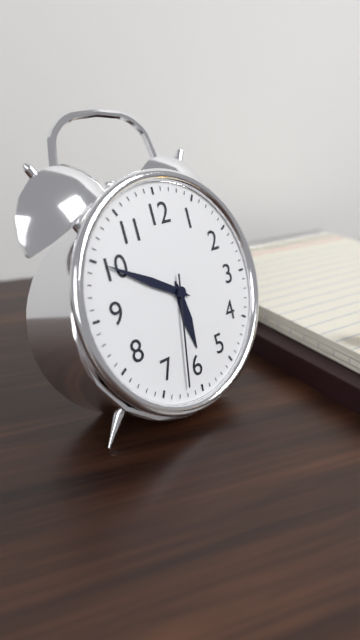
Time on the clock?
5:50:32
